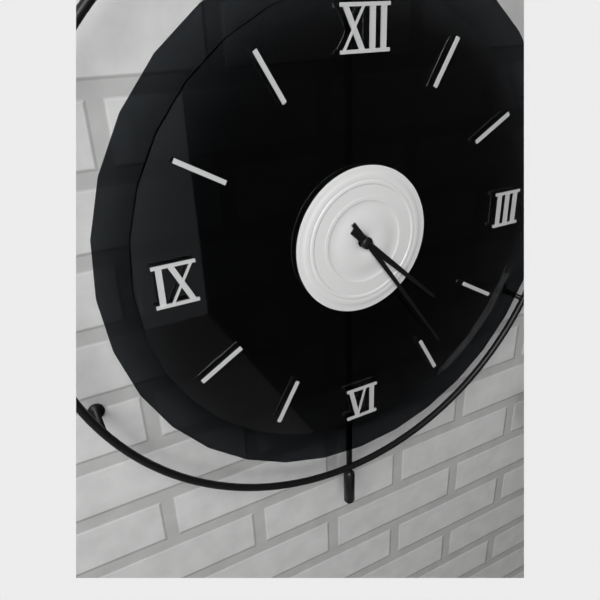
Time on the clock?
4:24
